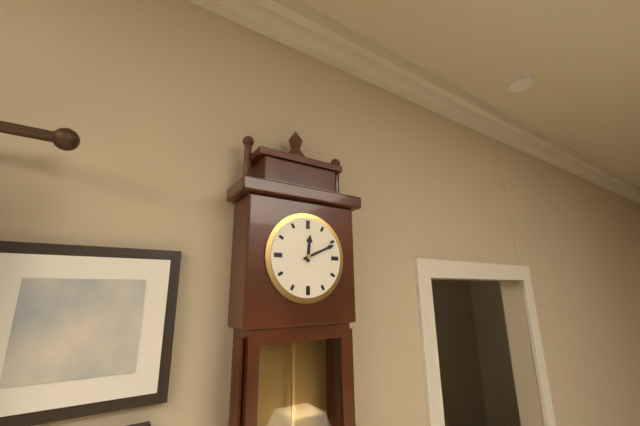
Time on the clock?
12:11
